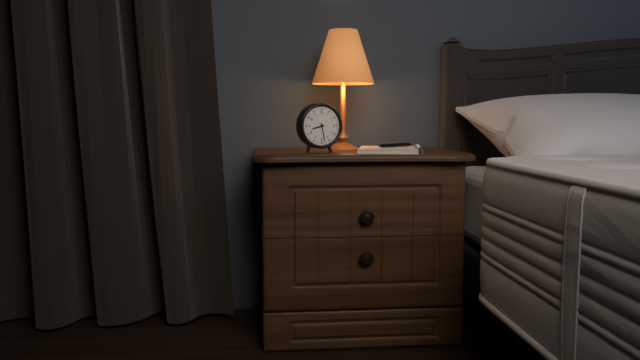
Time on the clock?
8:28
